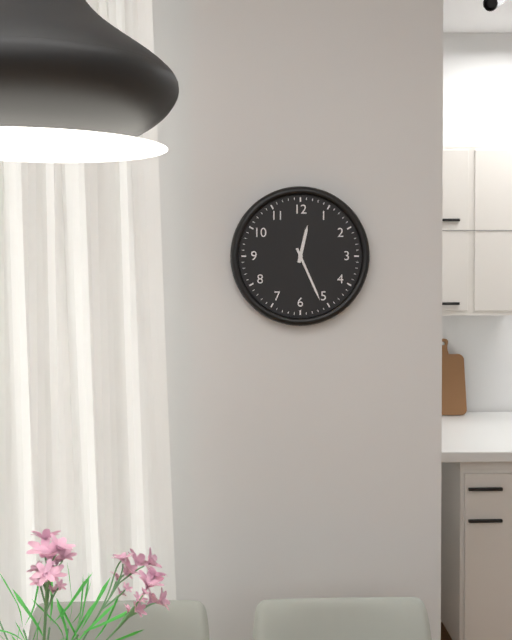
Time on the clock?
12:26
